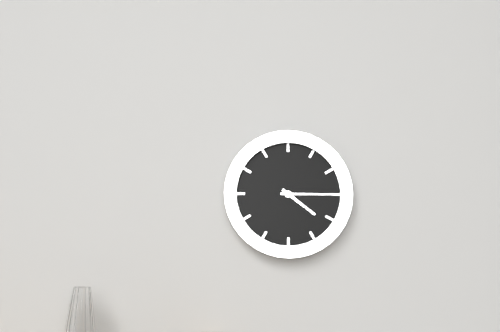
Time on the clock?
4:15
